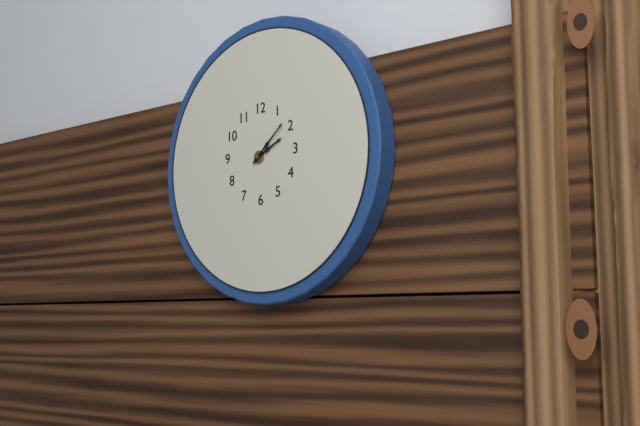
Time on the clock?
2:08
